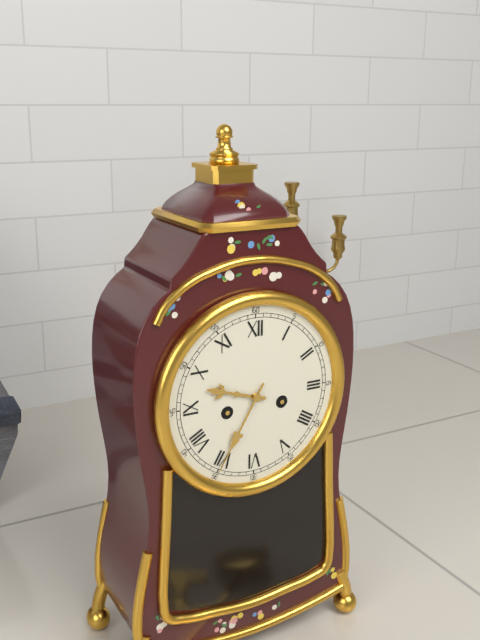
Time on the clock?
9:35
